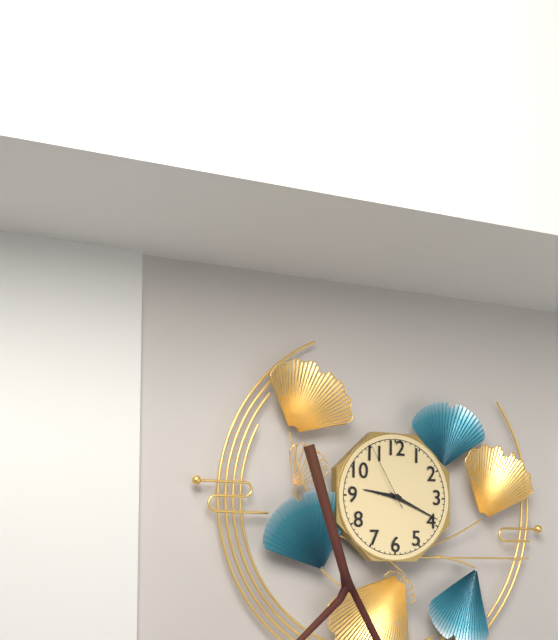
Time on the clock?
9:19:55
